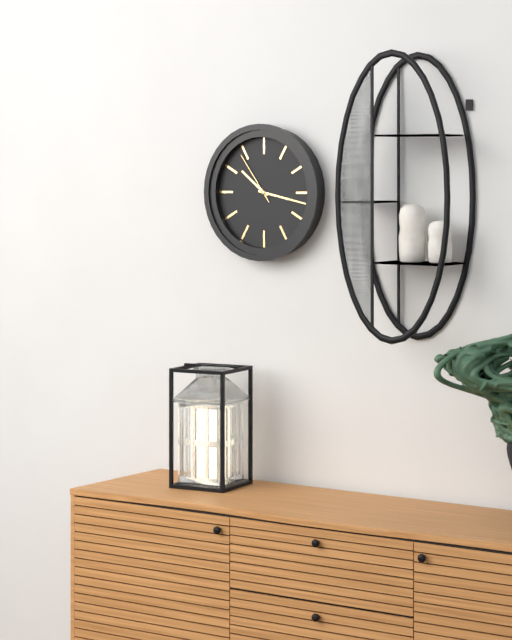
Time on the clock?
10:17:54
